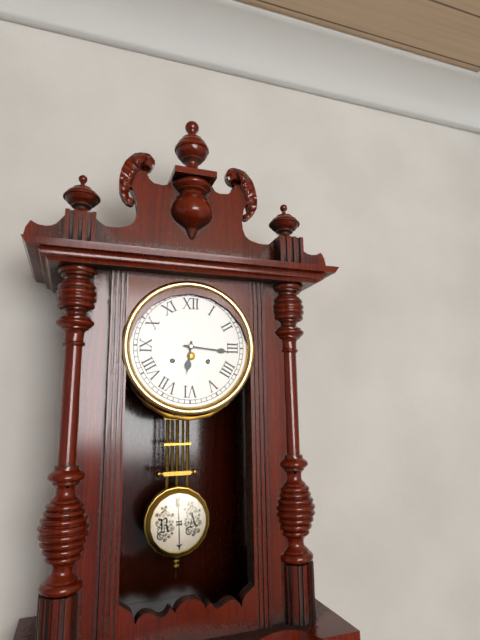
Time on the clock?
6:16
